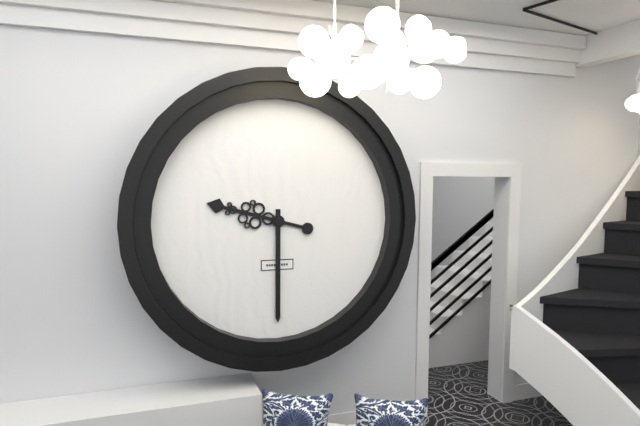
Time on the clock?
9:30
